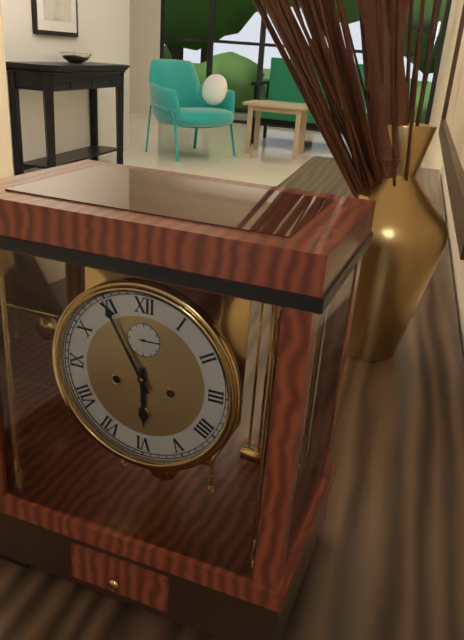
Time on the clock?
5:55
